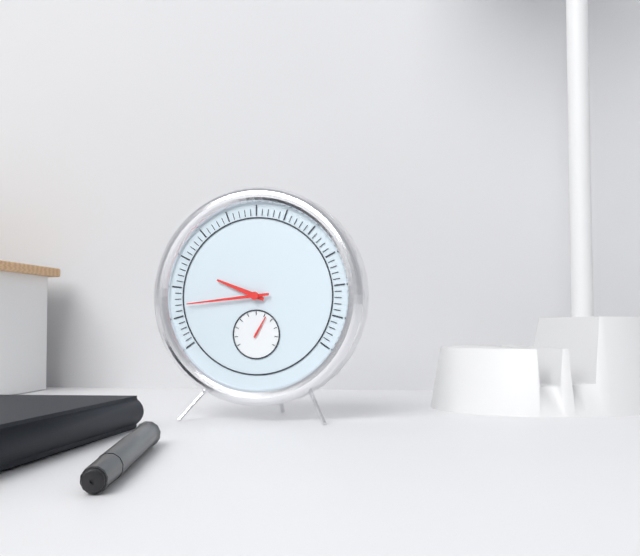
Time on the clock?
9:44
